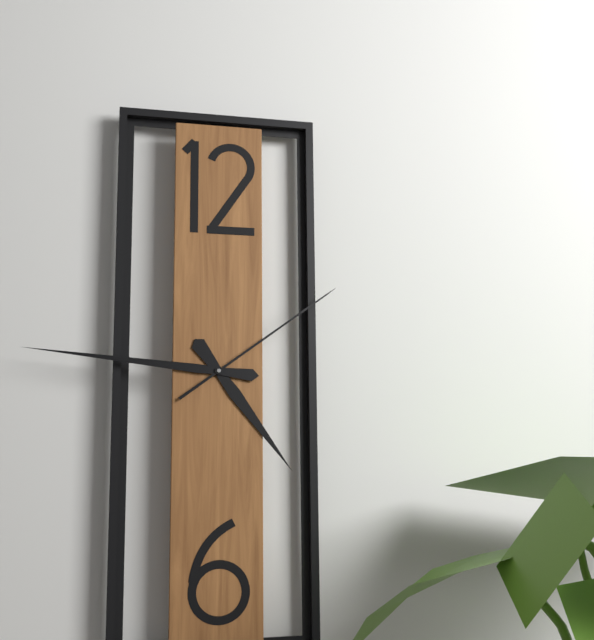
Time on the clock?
4:46:09
